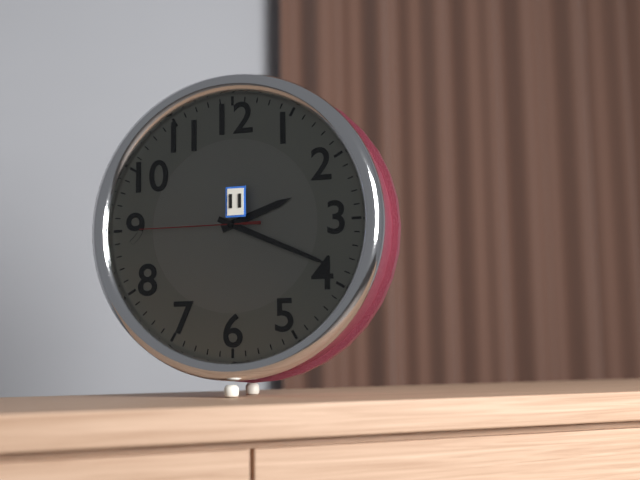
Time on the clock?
2:19:45
